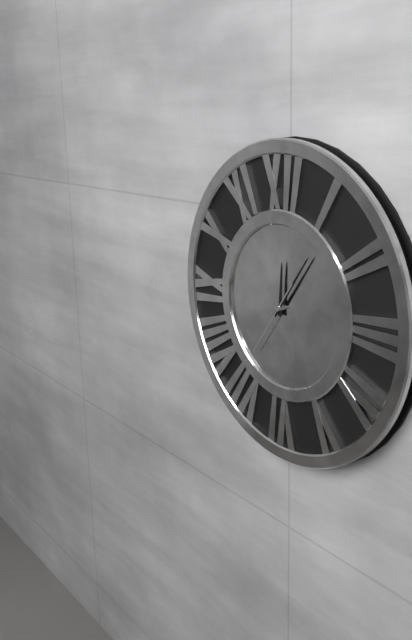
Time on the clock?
12:06:36
